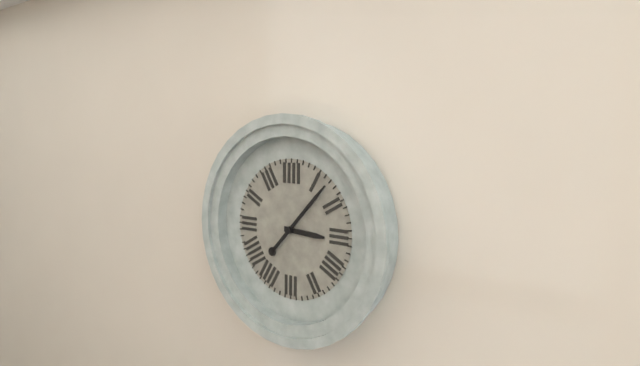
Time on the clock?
3:07
